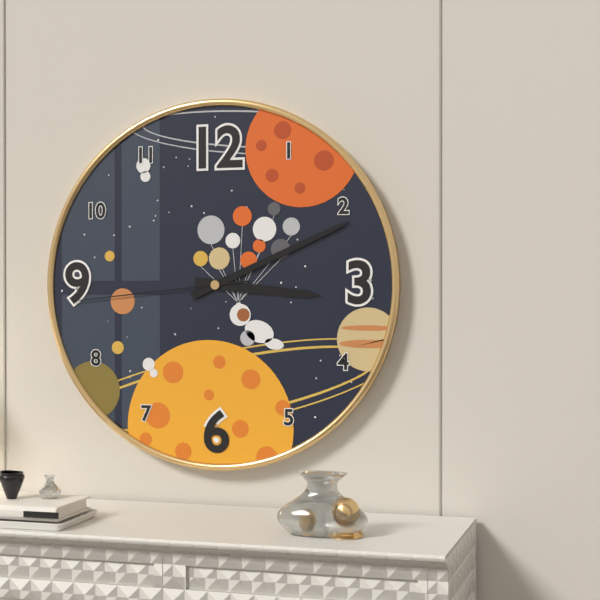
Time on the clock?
3:11:44
